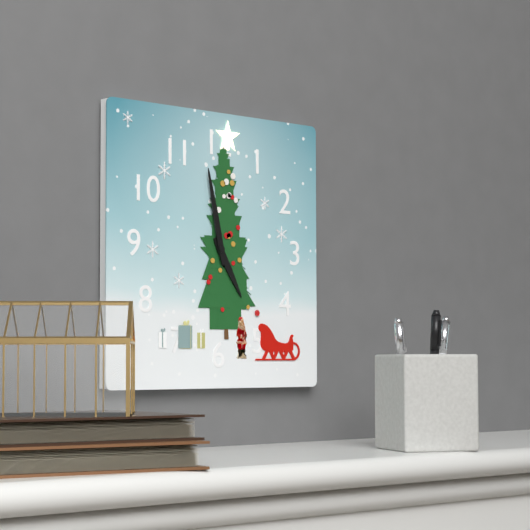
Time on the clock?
4:58
